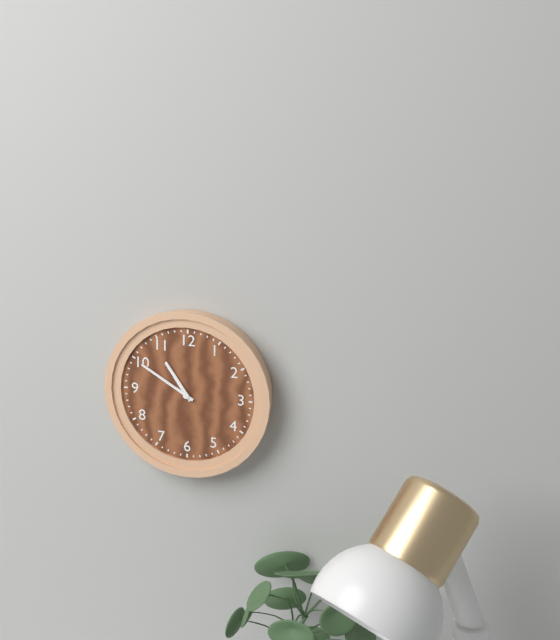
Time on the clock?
10:50
